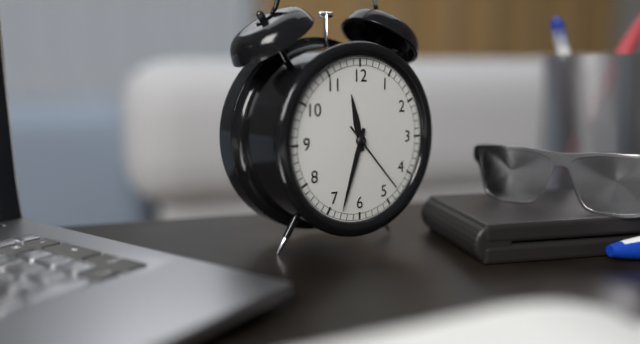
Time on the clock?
11:33:23
